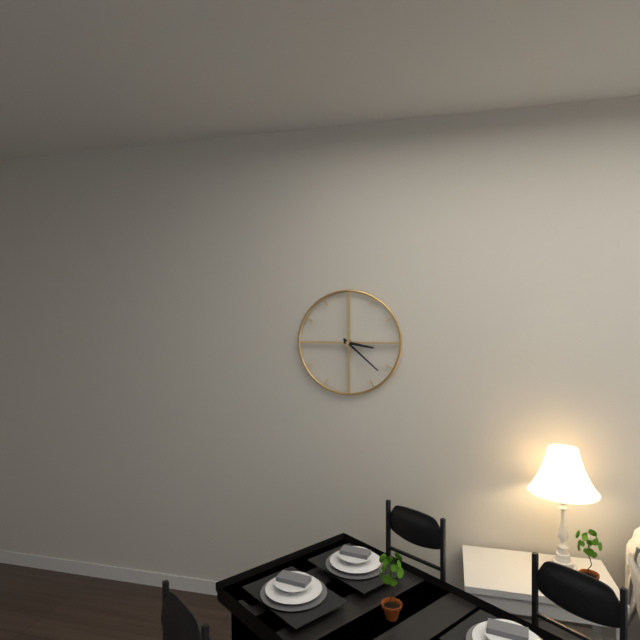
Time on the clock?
3:22
